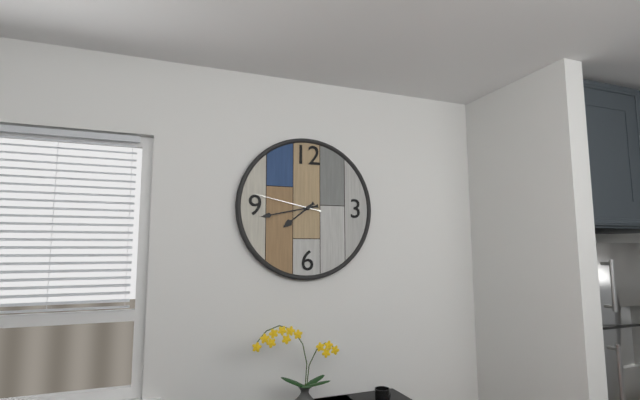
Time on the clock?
7:43:47
